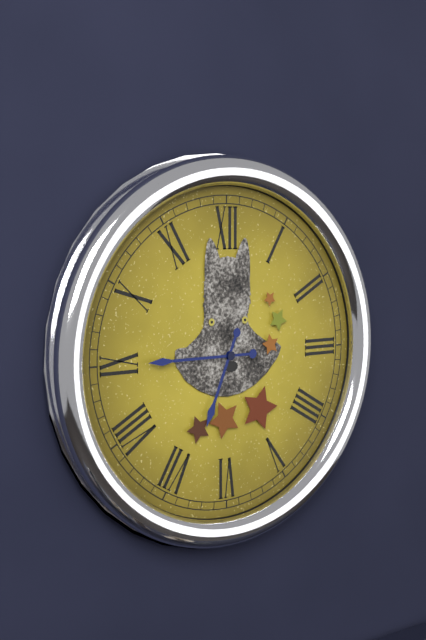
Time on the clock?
6:45
